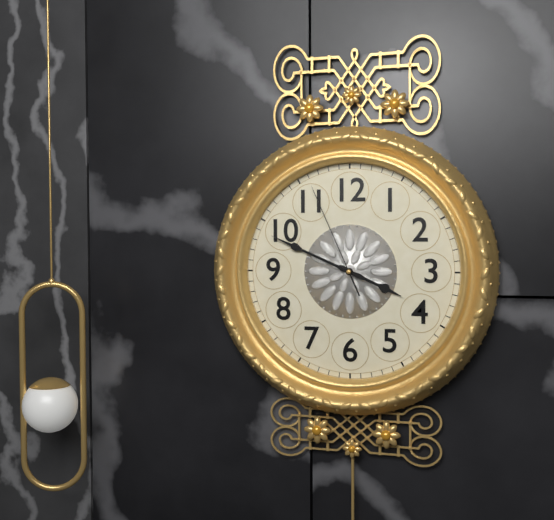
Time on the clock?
3:49:56
